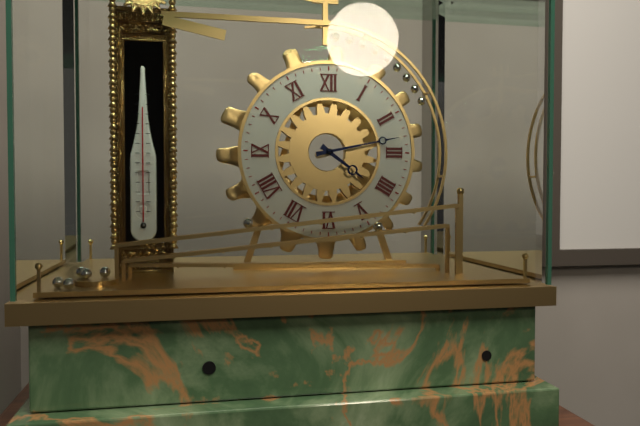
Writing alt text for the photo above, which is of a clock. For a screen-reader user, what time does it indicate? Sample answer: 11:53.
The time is 4:13
